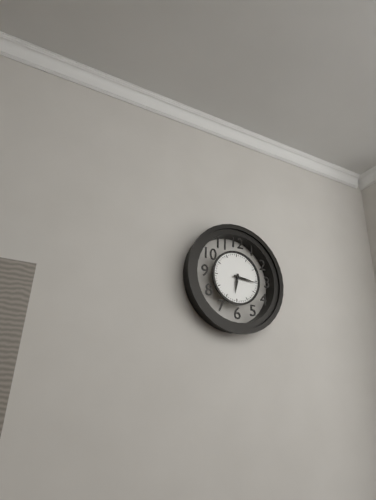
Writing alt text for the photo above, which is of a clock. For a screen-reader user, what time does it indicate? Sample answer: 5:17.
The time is 6:16
